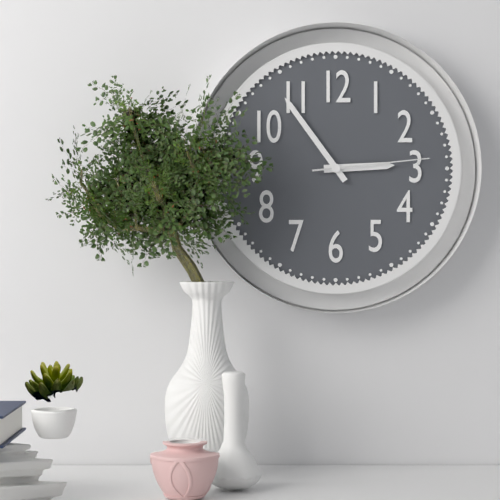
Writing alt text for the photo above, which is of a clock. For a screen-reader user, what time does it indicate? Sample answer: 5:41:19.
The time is 2:54:14
